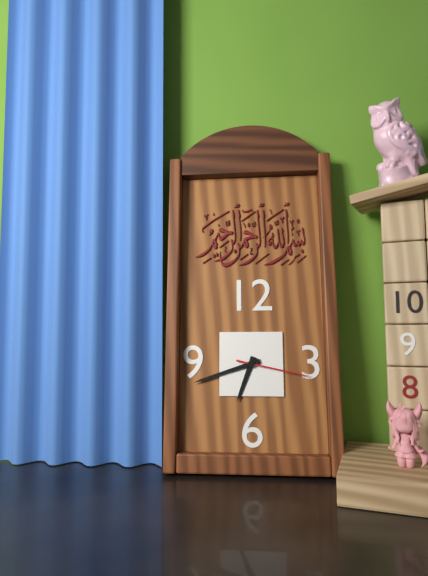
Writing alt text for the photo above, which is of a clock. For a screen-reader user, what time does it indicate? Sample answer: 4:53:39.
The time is 6:42:17
